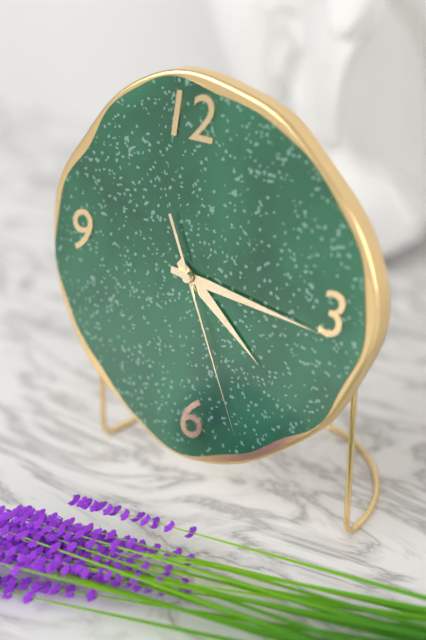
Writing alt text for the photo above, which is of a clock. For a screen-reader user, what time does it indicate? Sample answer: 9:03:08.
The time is 4:16:26
